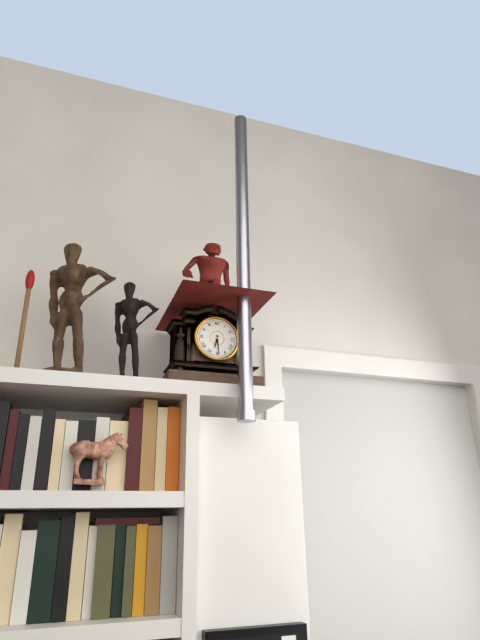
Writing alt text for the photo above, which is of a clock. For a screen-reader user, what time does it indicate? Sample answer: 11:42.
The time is 6:29
